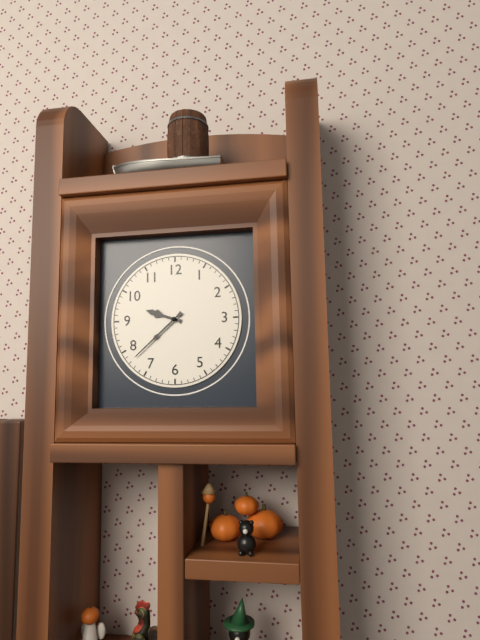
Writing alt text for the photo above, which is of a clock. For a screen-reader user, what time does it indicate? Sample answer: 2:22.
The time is 9:38
